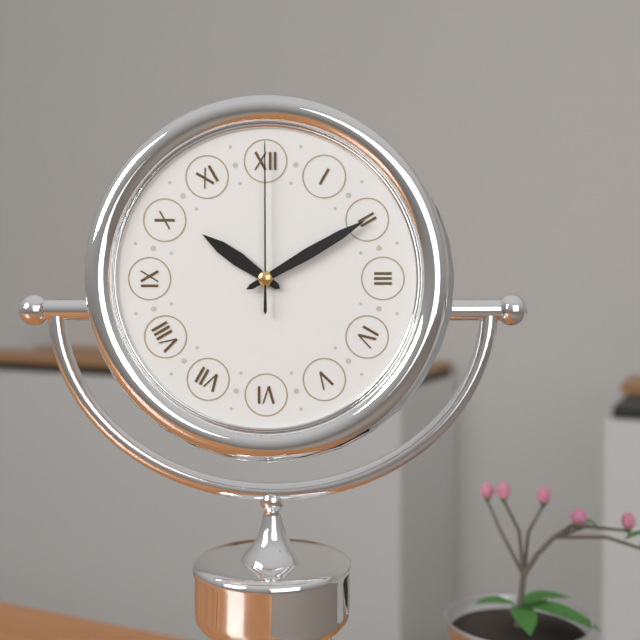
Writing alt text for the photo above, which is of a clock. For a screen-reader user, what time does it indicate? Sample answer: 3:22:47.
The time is 10:10:00
